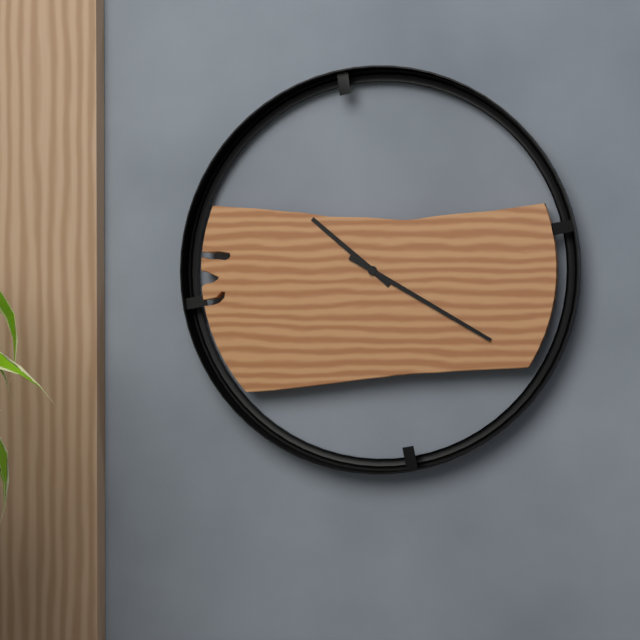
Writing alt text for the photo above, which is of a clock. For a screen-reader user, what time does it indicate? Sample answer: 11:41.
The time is 10:20
